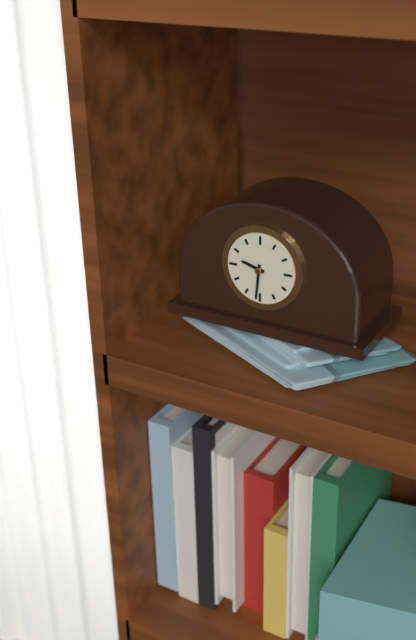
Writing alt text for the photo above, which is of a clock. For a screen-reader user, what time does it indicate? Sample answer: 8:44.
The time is 9:31
